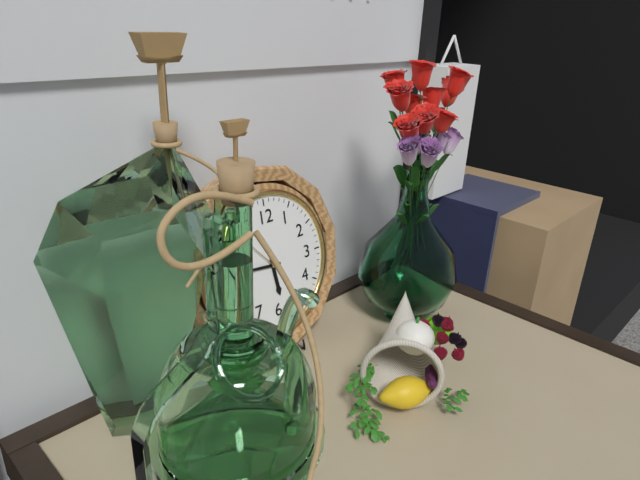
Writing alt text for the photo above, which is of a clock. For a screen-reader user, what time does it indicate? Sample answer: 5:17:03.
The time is 5:46:53
